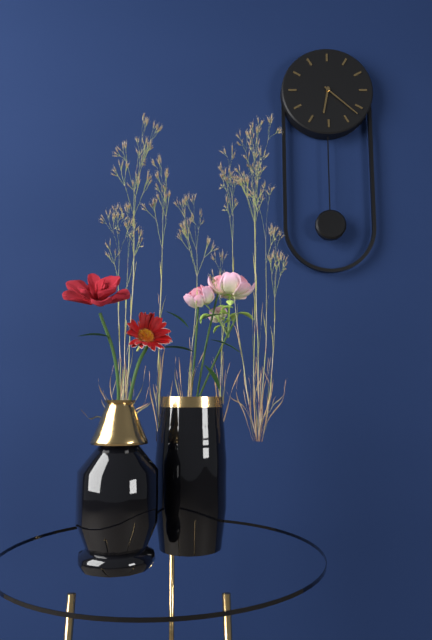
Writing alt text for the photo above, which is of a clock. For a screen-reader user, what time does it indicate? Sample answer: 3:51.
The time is 6:22
